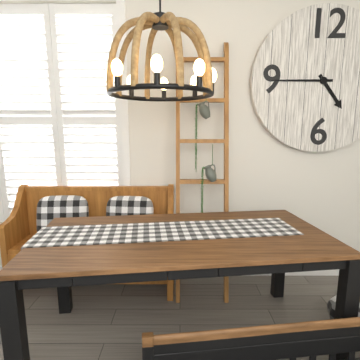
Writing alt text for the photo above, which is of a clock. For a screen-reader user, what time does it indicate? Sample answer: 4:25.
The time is 4:45
